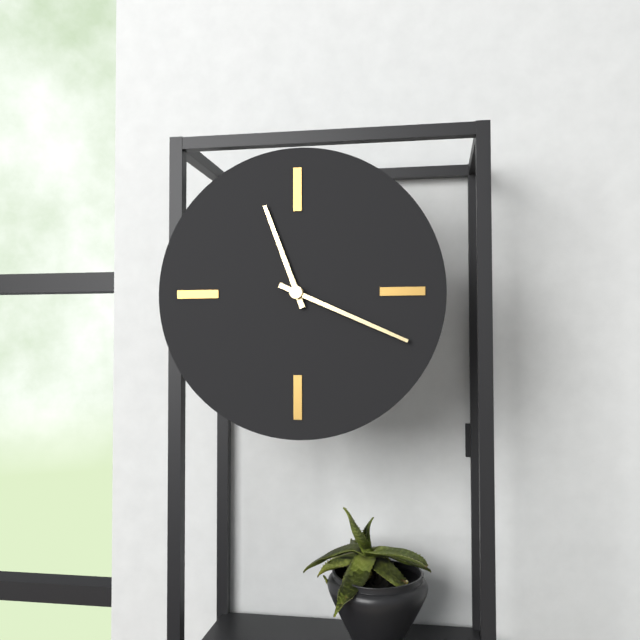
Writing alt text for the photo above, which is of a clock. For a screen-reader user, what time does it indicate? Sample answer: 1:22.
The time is 11:19
